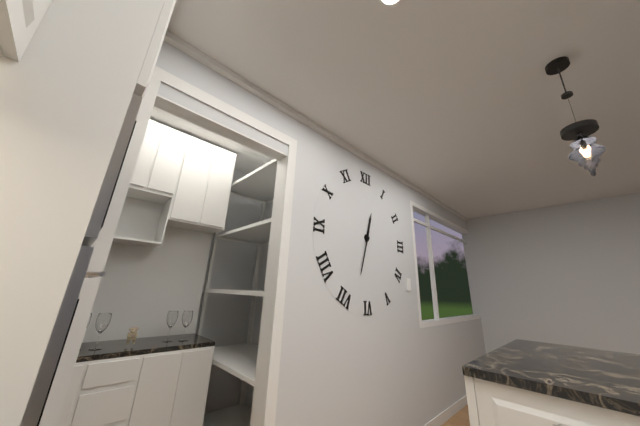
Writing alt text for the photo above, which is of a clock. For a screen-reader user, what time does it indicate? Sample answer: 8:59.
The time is 12:33
